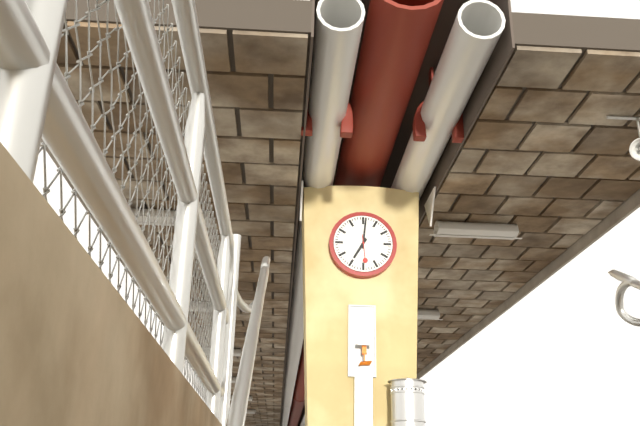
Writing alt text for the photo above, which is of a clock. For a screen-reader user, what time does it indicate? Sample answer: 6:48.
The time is 7:01
